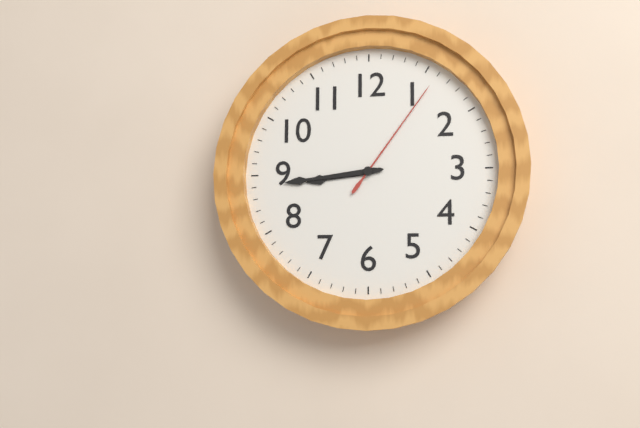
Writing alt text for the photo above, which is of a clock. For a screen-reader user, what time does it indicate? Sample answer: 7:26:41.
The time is 8:44:06
